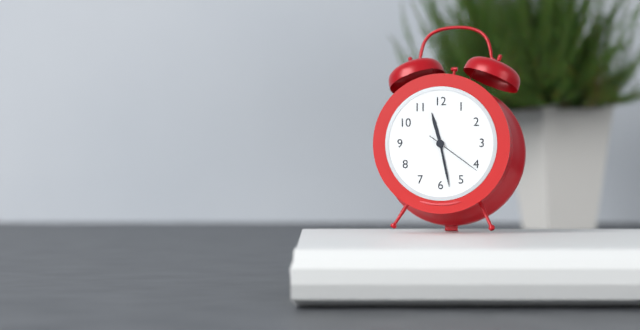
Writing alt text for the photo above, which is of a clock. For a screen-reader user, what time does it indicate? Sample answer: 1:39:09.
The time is 11:28:21
